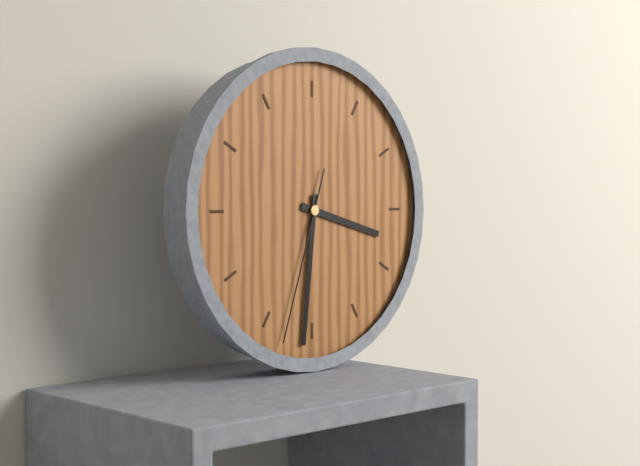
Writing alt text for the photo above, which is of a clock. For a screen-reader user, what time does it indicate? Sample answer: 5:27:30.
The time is 3:31:33
